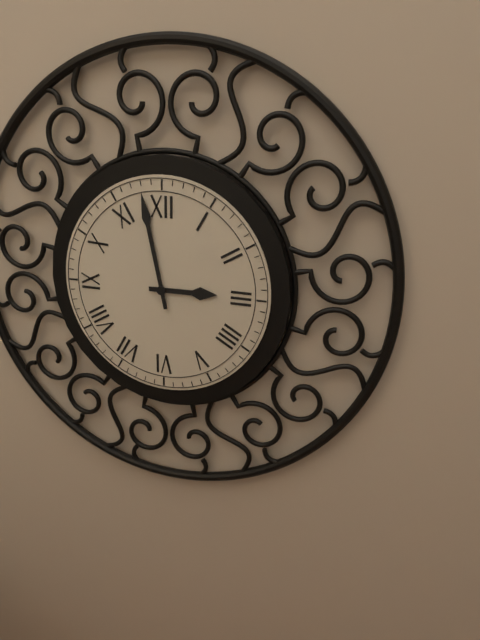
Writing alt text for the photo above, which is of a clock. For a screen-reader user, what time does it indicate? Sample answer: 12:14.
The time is 2:58
